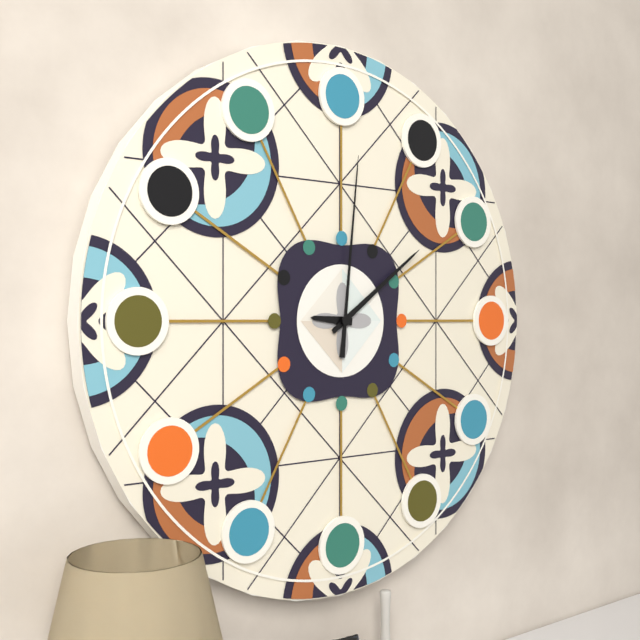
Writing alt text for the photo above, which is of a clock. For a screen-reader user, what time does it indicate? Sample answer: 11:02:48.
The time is 9:09:01
